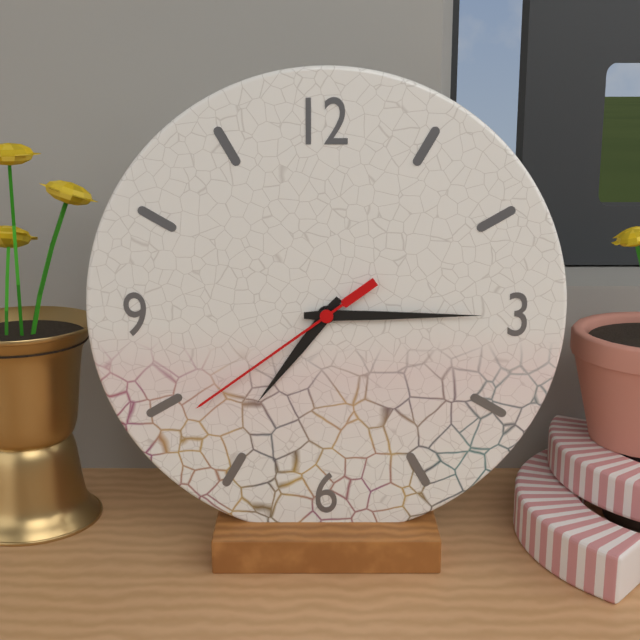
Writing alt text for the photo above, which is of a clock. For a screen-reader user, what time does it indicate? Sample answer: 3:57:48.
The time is 7:15:39
